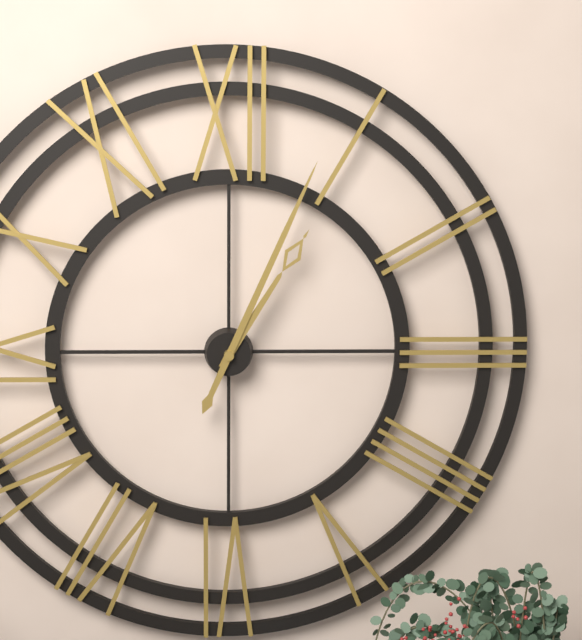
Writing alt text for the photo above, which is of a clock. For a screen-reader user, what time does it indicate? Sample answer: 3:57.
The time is 1:04
